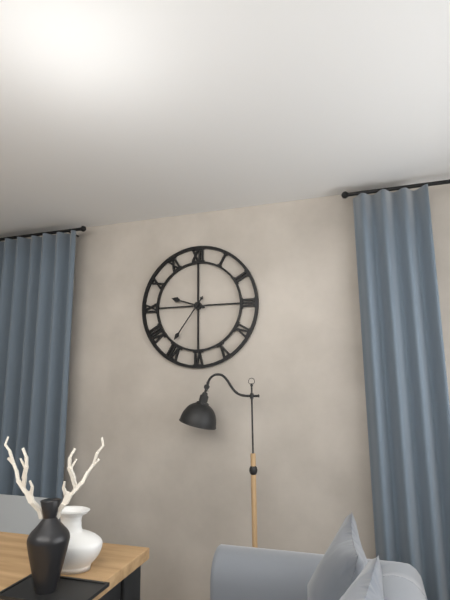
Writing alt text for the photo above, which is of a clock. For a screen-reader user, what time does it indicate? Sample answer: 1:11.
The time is 9:36
